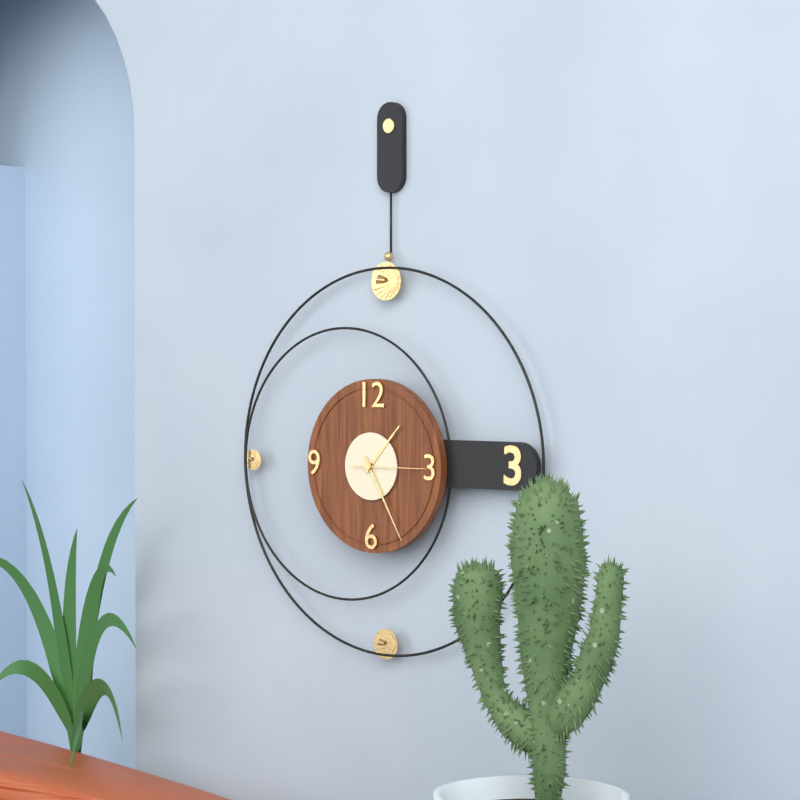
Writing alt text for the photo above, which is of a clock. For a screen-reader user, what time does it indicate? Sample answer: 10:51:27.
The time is 1:25:15
